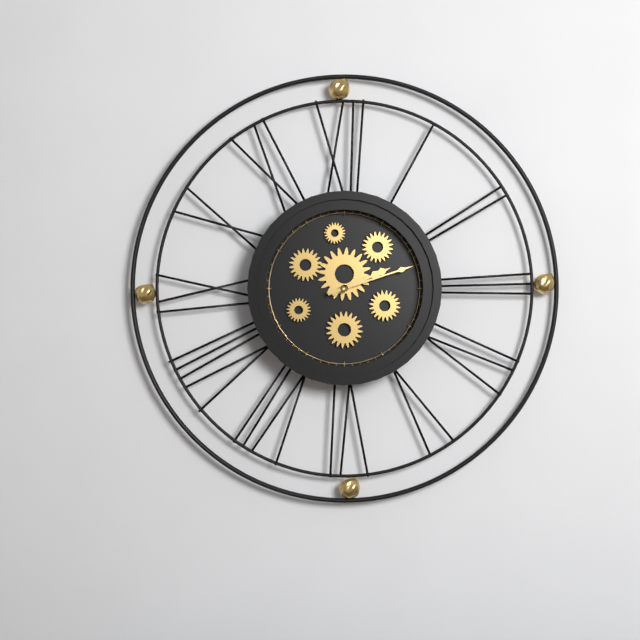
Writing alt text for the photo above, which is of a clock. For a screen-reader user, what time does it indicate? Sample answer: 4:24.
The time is 2:12
